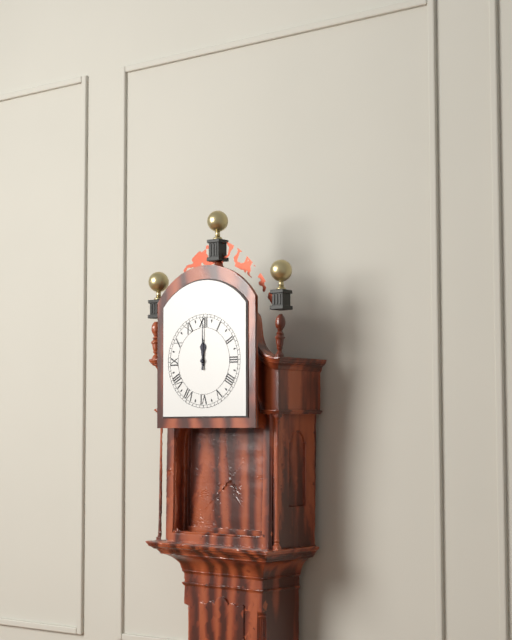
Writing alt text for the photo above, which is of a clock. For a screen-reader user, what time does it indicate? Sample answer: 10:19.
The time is 12:00
